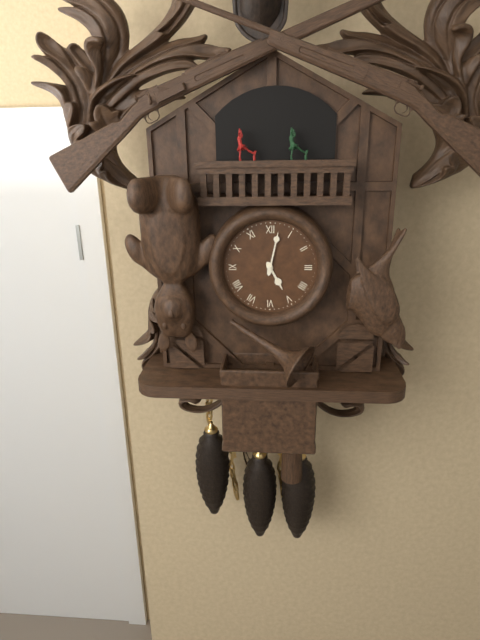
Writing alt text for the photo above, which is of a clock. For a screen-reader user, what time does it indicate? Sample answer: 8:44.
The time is 5:02
